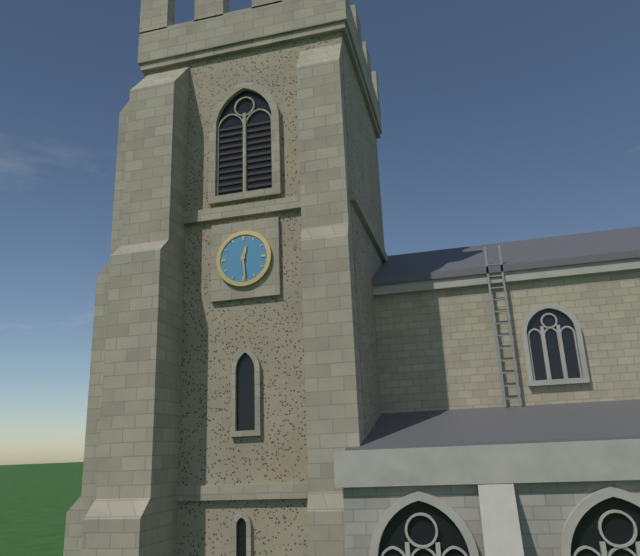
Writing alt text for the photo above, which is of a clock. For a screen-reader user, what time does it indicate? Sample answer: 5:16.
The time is 12:29
